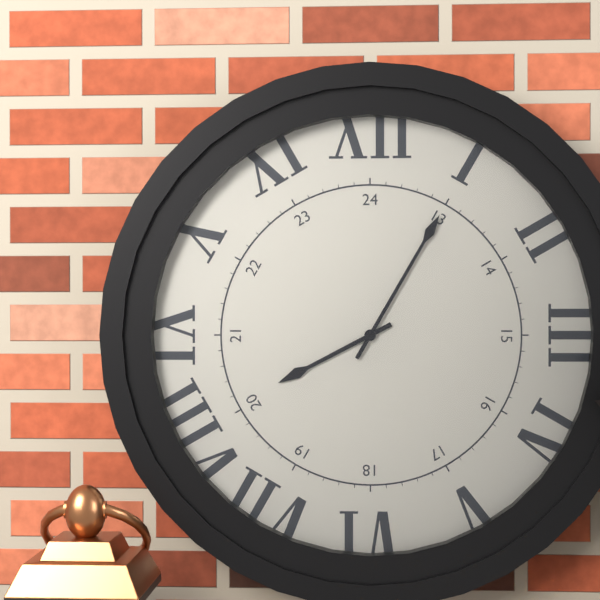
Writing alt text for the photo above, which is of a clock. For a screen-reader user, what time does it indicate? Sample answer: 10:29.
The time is 8:05
